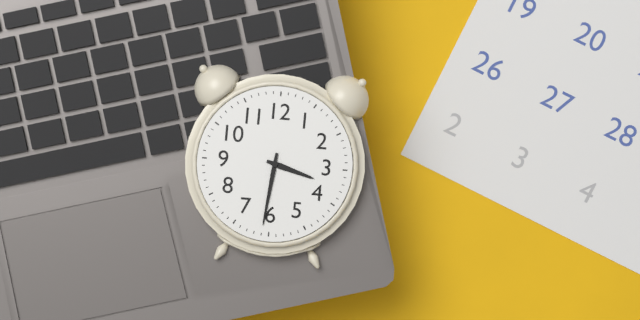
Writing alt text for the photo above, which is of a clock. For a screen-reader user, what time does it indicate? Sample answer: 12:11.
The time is 3:31
